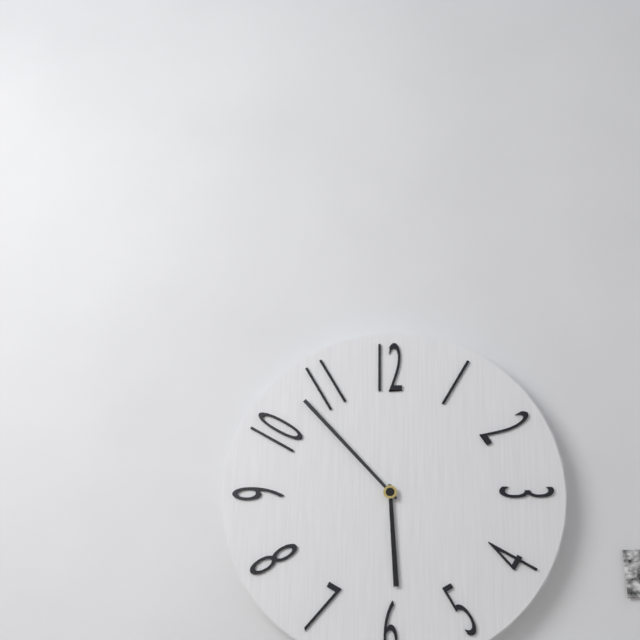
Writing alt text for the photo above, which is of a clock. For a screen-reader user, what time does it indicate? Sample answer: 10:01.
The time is 5:53
